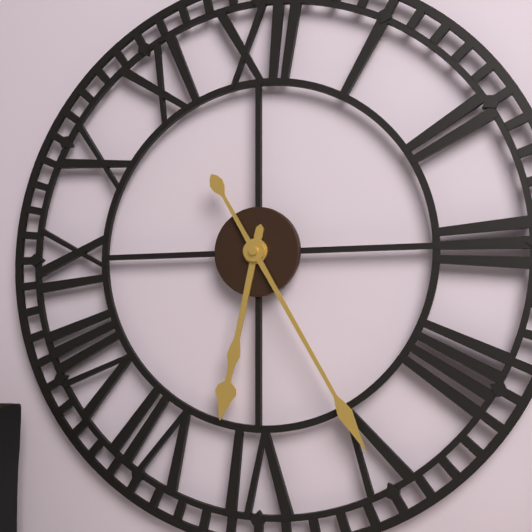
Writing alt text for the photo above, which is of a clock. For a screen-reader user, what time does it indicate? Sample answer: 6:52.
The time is 6:25
